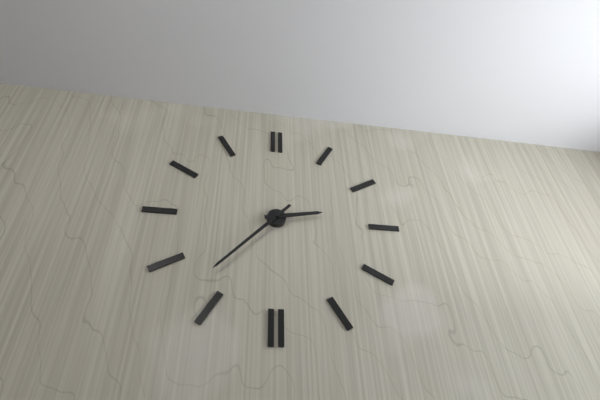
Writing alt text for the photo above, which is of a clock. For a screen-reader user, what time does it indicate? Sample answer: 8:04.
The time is 2:37
